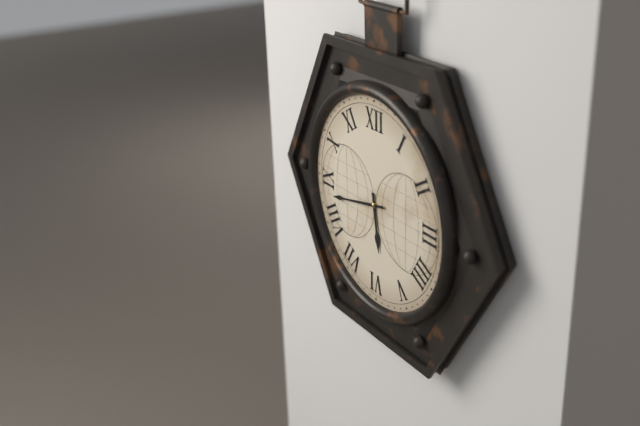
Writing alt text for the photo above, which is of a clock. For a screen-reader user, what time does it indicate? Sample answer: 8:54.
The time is 5:43
